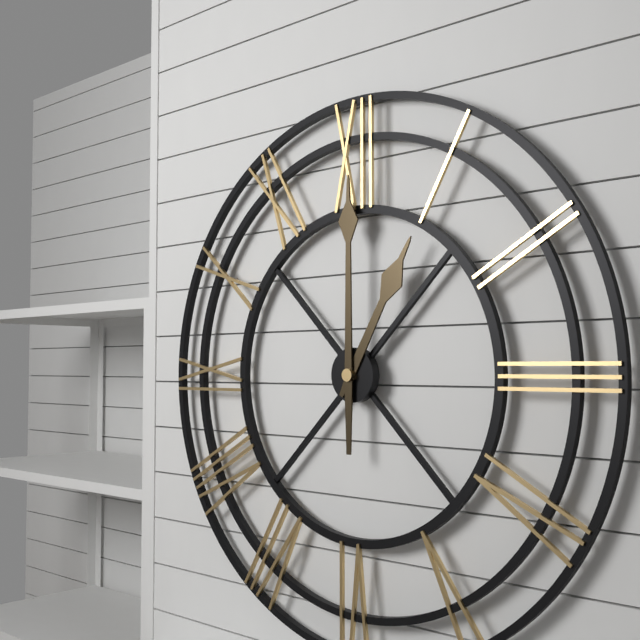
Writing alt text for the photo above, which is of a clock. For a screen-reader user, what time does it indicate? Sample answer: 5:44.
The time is 1:00
